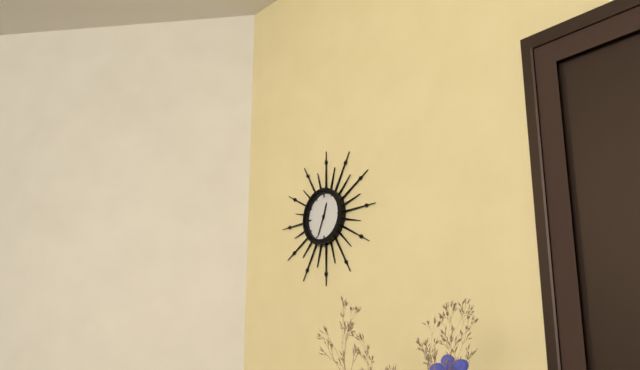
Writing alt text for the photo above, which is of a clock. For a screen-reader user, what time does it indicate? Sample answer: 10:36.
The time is 12:34
